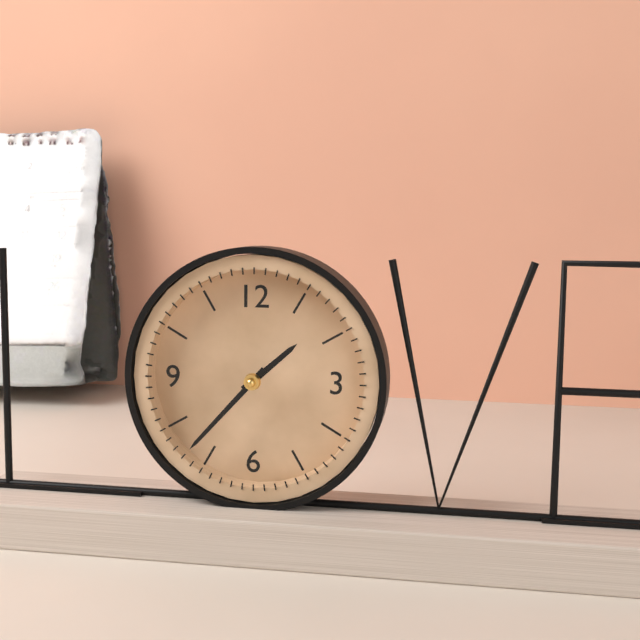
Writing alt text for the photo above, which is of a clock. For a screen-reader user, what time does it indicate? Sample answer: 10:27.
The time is 1:37
